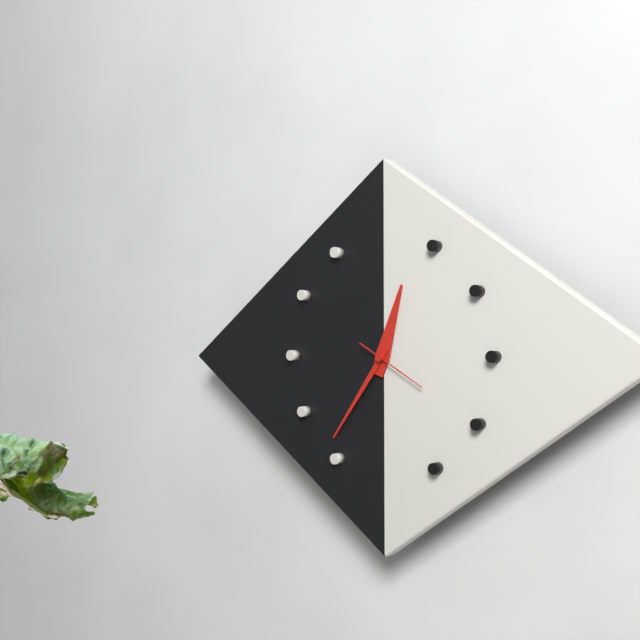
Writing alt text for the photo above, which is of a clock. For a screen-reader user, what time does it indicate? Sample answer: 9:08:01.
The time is 12:36:20
